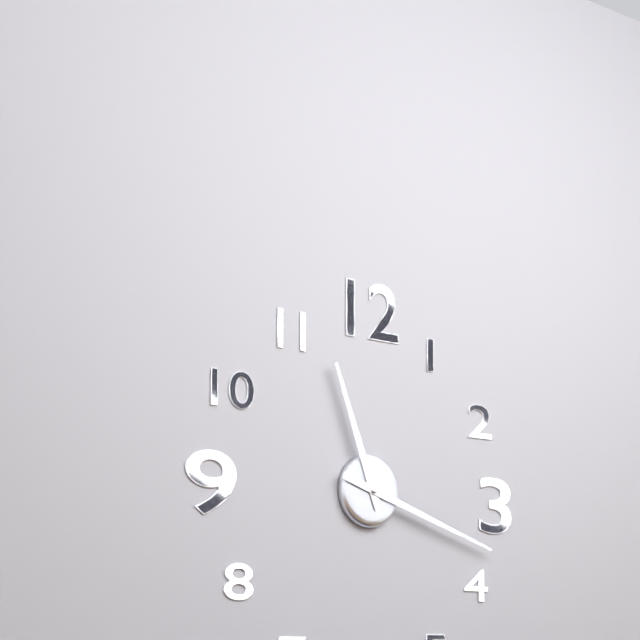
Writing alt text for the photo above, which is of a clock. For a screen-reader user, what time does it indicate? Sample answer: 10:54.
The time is 11:18
